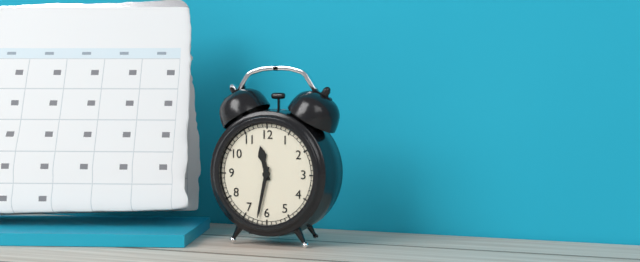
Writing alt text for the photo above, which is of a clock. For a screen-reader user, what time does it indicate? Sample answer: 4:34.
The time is 11:32
